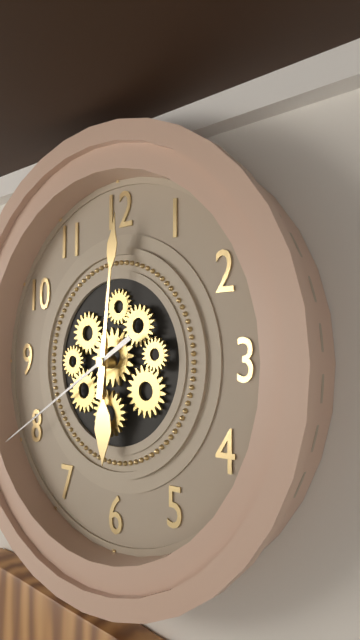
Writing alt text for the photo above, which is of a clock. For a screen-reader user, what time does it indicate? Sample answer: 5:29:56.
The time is 6:01:40
